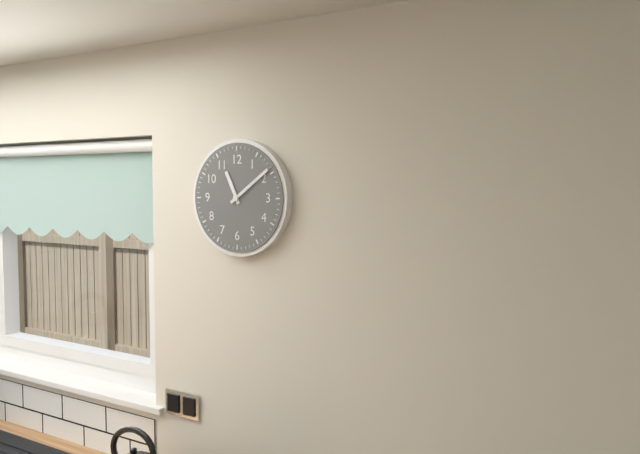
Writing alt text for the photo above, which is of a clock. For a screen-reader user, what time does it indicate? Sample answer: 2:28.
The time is 11:09
